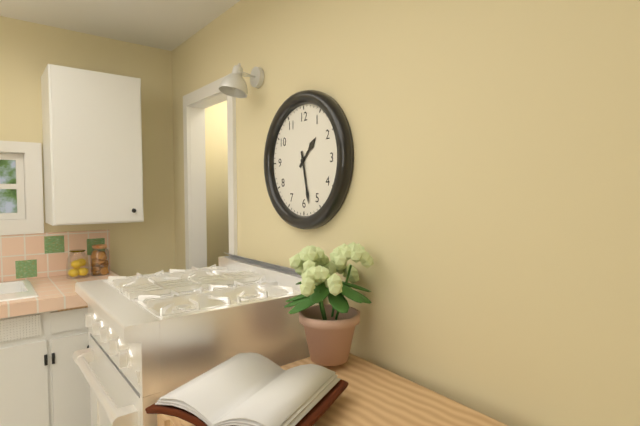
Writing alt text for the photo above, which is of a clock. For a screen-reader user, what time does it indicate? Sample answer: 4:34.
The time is 1:28
